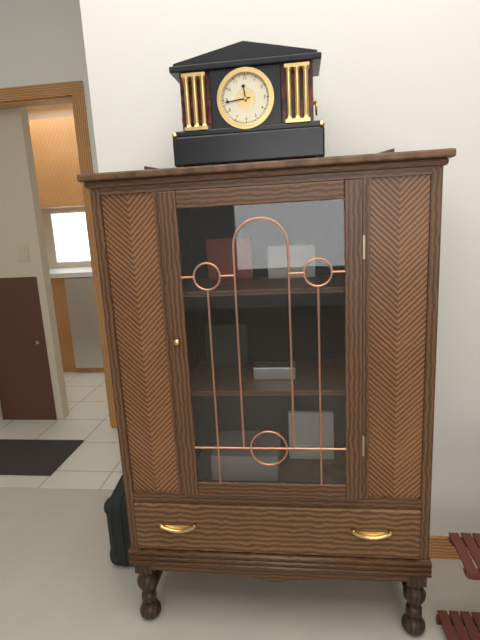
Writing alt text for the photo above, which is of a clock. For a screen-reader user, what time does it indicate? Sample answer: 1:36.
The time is 11:44
